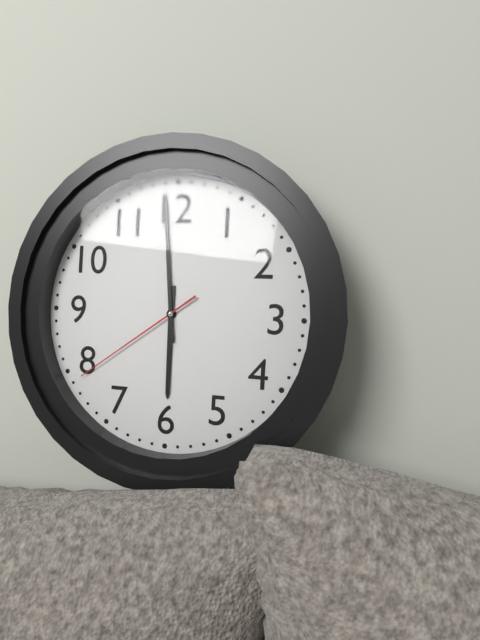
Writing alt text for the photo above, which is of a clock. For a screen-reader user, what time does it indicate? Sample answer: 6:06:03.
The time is 5:59:39
